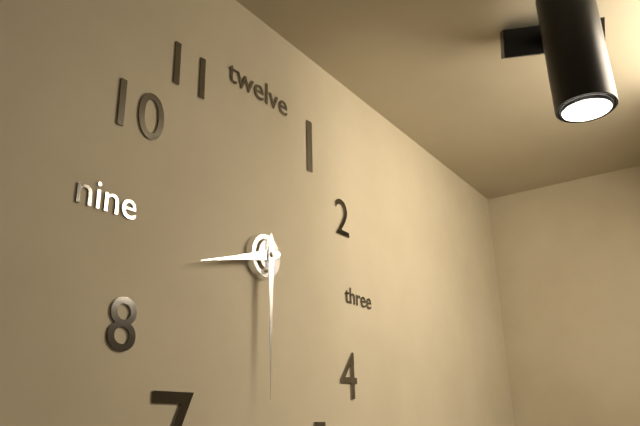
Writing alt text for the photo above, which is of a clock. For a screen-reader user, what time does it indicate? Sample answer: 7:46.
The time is 8:30
